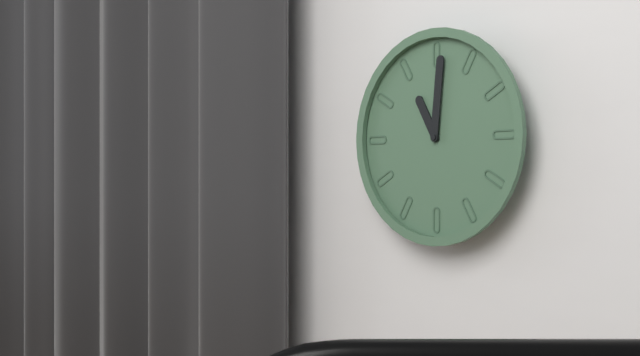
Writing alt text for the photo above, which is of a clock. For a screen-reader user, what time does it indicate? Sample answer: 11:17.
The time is 11:01
